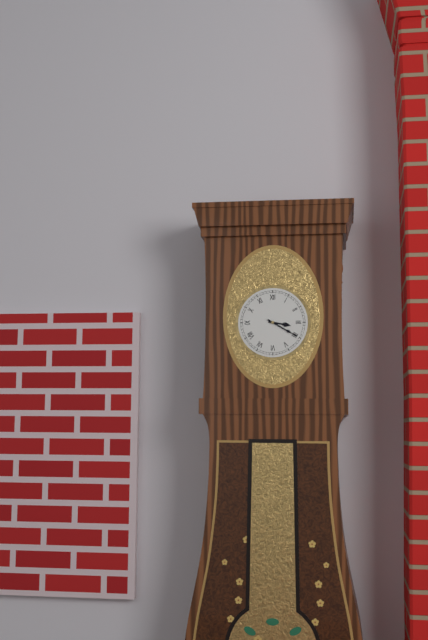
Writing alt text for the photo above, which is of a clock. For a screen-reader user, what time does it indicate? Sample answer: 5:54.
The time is 3:20
